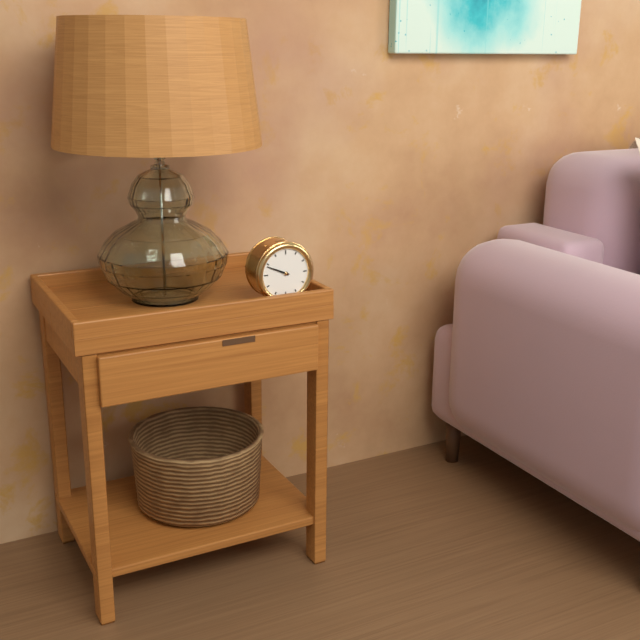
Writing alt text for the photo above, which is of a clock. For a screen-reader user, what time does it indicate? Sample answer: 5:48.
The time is 9:49
